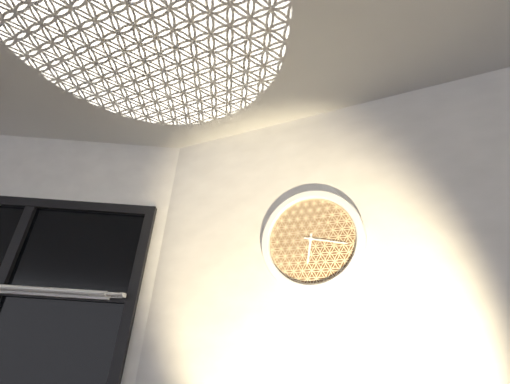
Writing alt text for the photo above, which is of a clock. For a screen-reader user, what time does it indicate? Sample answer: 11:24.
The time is 6:17
